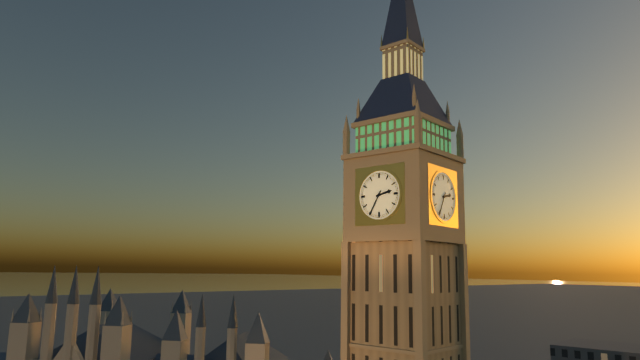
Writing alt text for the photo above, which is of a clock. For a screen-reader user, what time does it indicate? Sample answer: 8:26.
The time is 2:35
